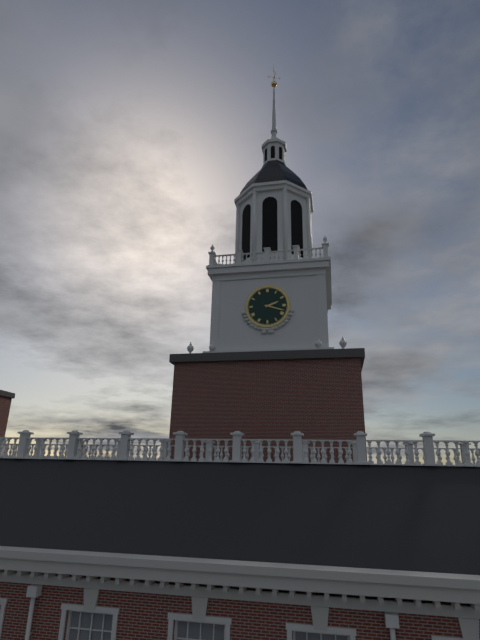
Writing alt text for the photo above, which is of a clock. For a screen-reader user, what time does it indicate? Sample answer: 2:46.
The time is 2:18
